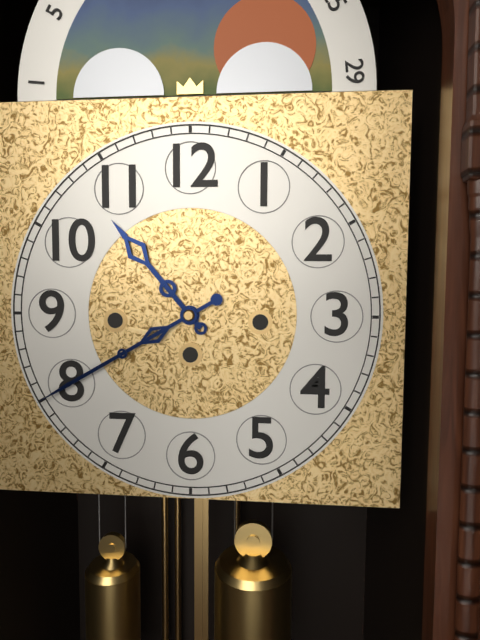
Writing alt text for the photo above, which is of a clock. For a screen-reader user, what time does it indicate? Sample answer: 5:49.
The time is 10:40
